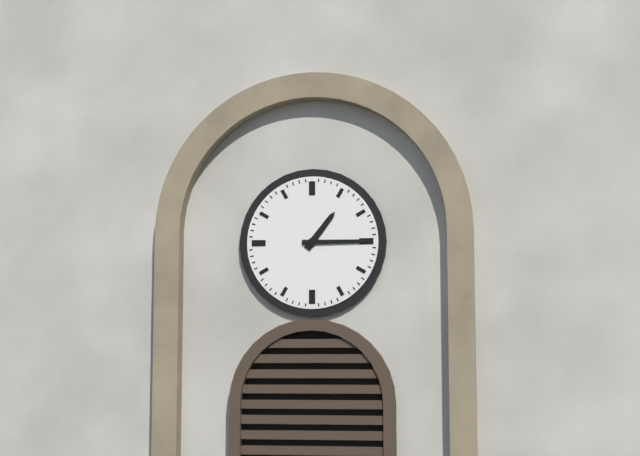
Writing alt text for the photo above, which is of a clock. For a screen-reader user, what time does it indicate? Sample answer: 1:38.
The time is 1:15
